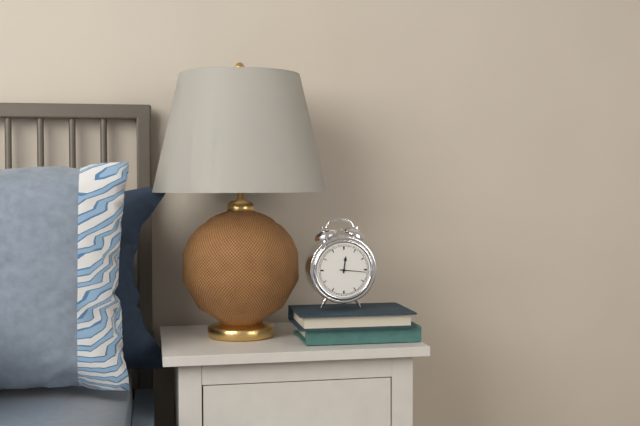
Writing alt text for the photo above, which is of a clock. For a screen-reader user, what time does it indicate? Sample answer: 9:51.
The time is 12:16
